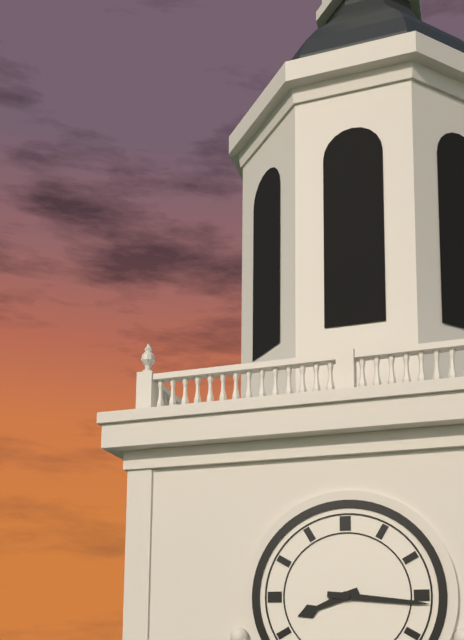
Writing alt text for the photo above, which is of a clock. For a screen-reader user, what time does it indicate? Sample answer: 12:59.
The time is 8:16
